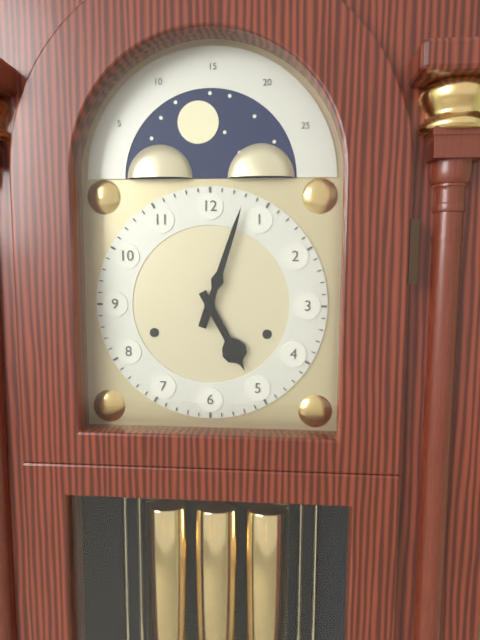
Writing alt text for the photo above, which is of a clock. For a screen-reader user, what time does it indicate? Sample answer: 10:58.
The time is 5:03
